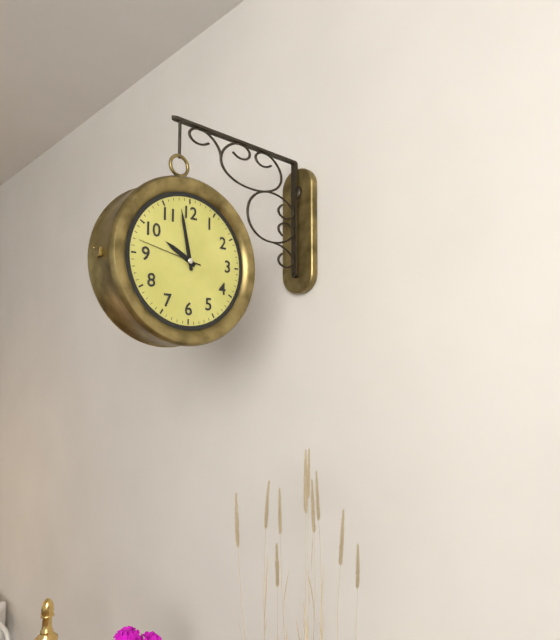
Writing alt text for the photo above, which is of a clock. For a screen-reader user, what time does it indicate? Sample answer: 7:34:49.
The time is 9:58:47
